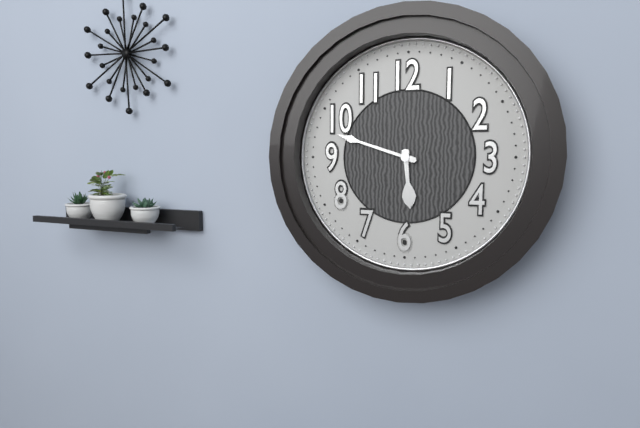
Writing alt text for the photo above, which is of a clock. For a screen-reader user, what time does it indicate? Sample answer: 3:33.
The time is 5:48
